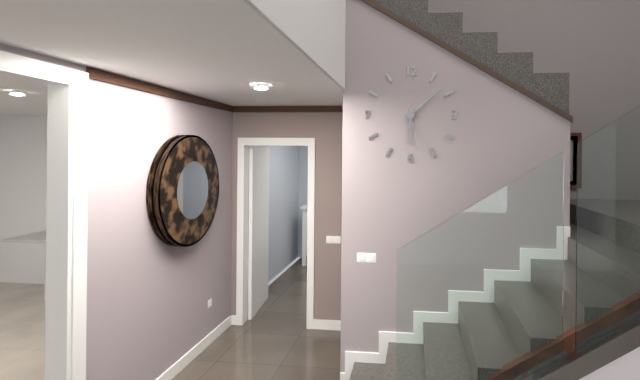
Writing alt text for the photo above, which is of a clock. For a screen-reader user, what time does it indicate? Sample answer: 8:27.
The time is 6:08
